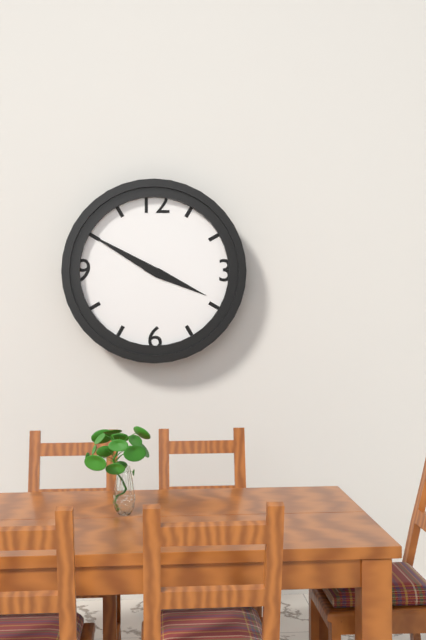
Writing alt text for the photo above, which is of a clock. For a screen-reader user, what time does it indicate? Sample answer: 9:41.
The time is 3:50
